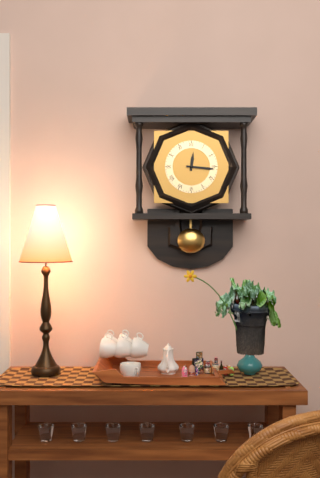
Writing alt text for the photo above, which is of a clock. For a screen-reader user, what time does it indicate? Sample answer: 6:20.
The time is 12:16
